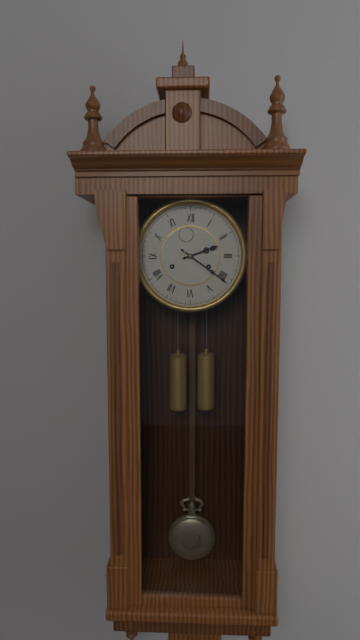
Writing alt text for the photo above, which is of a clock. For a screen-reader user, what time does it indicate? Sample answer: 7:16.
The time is 2:21
